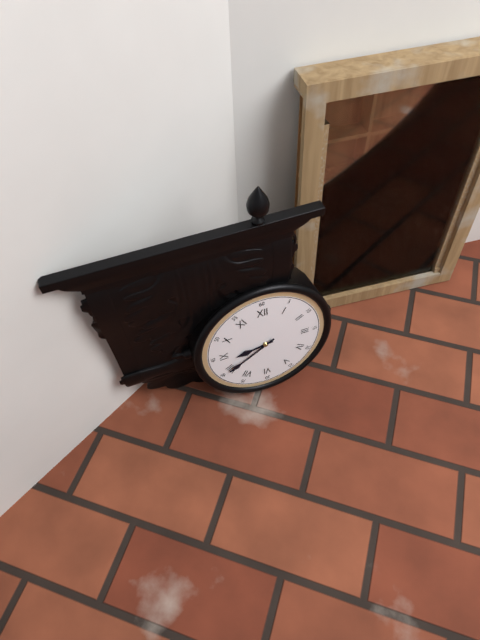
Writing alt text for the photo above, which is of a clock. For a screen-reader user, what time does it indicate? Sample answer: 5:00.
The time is 8:40
